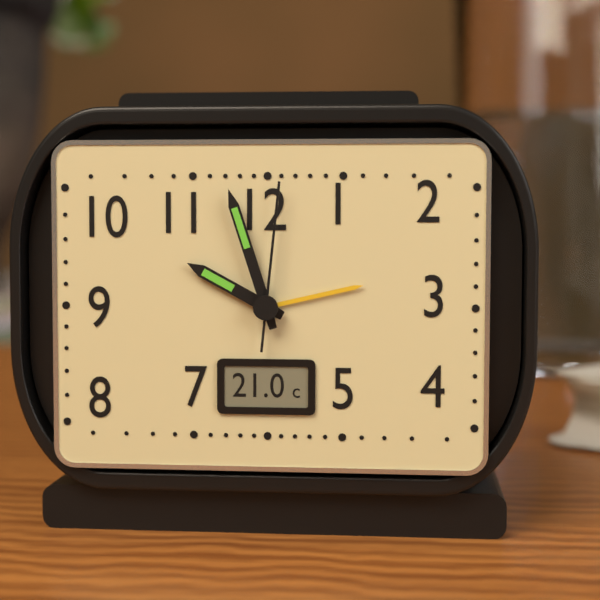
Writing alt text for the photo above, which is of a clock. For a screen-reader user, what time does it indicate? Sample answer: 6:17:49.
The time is 9:57:01
